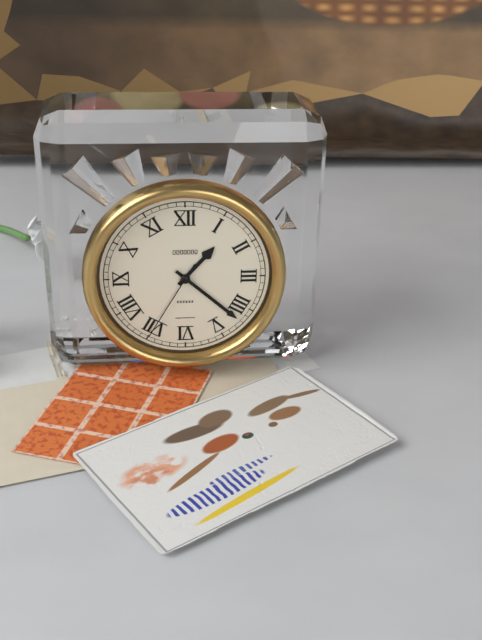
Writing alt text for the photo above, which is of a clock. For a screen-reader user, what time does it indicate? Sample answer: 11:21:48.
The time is 1:22:35
